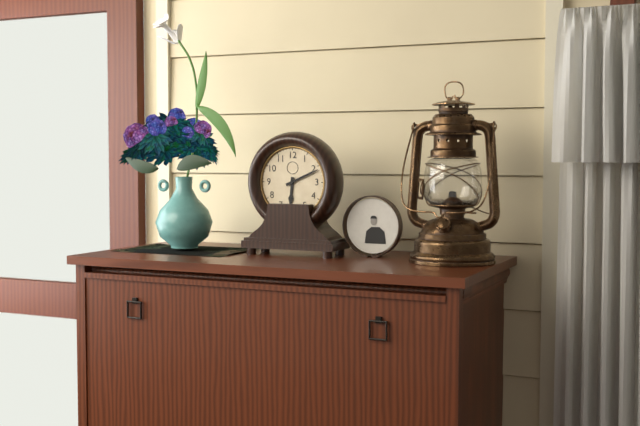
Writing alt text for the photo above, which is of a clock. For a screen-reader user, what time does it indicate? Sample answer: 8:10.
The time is 6:11
